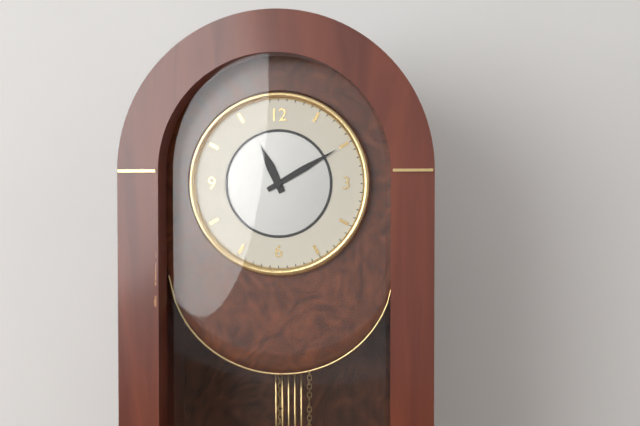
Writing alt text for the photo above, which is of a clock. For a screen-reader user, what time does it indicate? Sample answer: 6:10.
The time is 11:10
